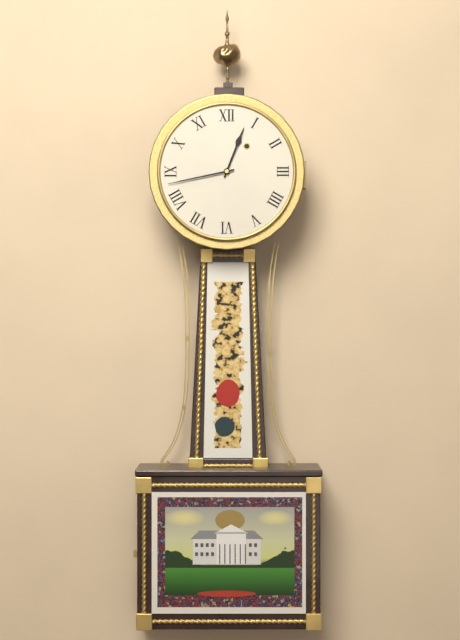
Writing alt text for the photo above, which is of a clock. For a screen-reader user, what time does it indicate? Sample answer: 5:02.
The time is 12:43
